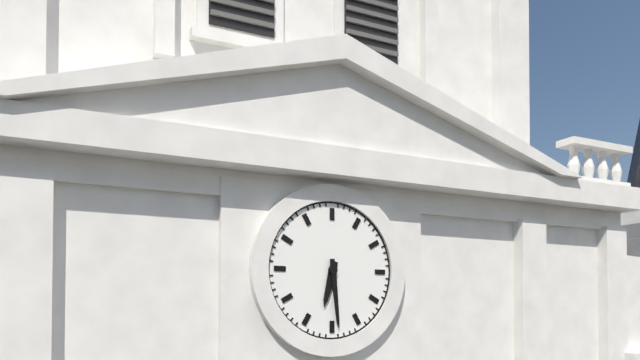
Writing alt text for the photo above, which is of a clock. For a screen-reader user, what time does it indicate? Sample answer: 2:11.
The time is 6:29
